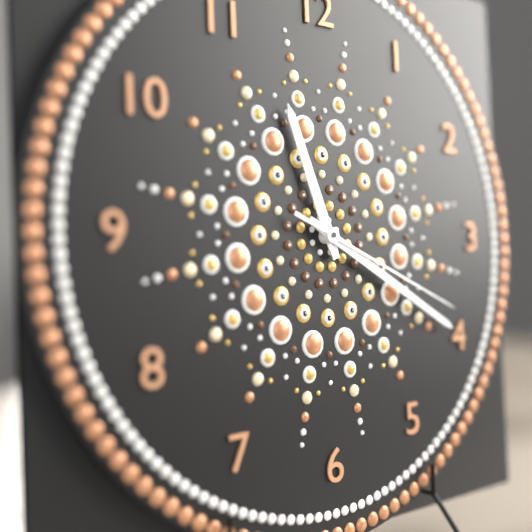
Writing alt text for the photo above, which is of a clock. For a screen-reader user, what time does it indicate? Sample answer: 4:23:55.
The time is 11:20:19
